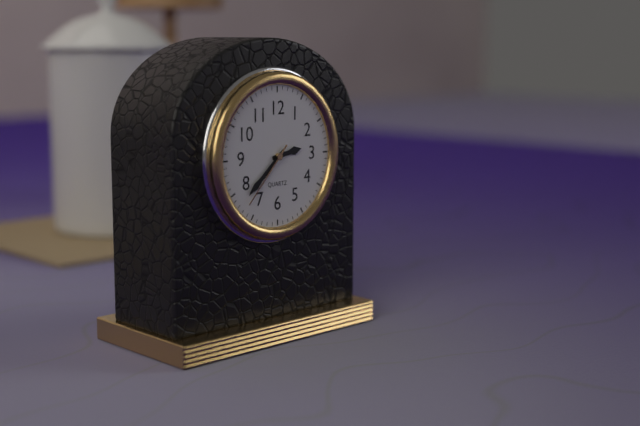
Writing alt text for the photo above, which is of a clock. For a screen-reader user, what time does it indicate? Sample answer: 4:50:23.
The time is 2:38:37
